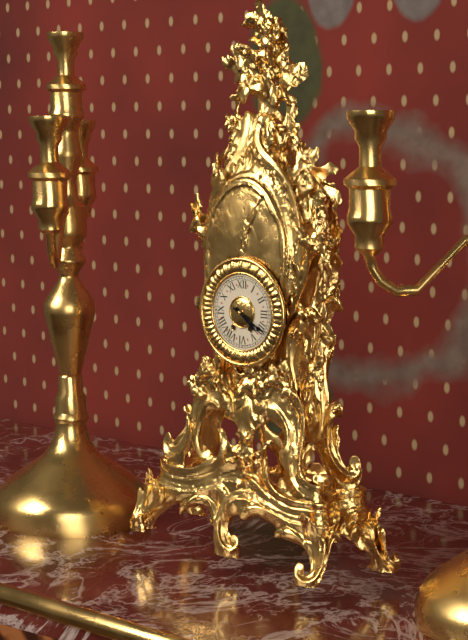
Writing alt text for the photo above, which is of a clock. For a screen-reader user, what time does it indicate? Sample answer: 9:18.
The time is 4:20
